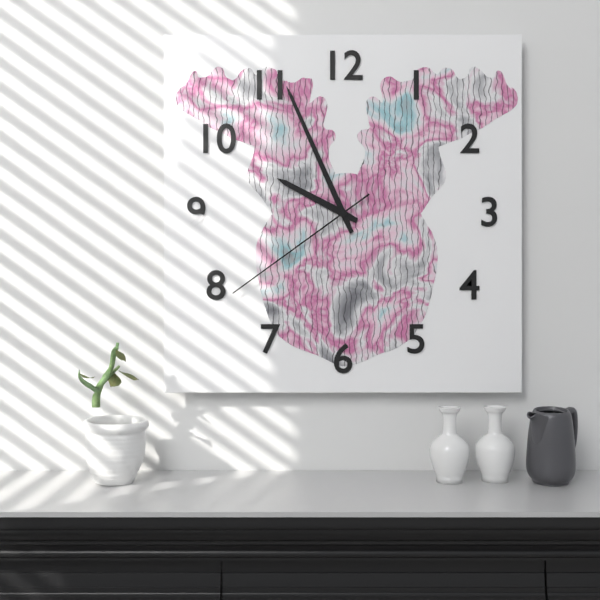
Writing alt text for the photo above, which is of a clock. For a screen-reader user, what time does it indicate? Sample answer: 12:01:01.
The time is 9:56:39
